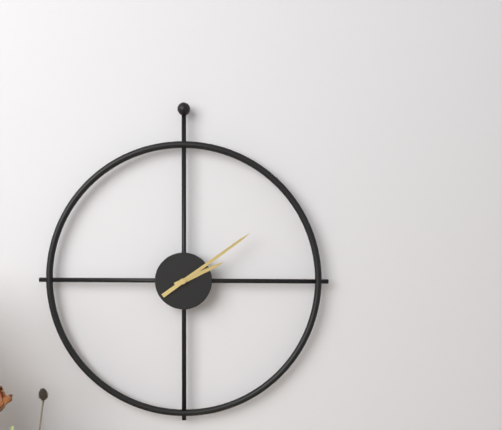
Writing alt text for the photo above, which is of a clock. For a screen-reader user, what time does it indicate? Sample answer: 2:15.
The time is 2:09
